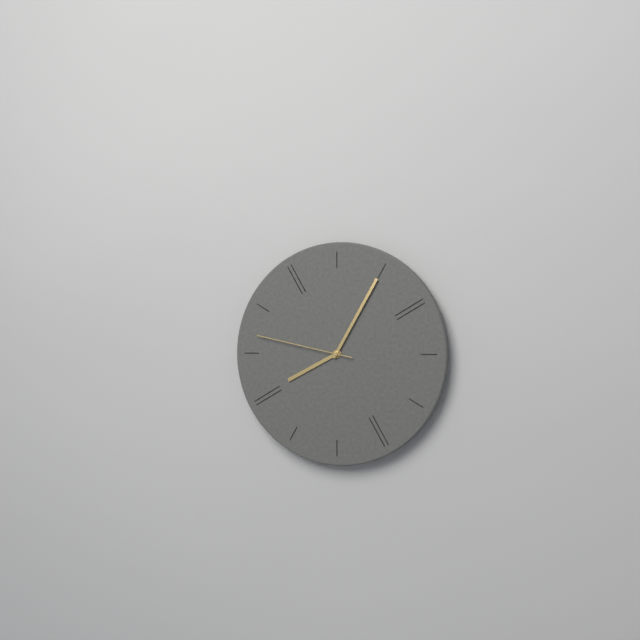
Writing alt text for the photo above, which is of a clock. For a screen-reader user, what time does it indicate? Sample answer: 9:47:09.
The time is 8:05:47
